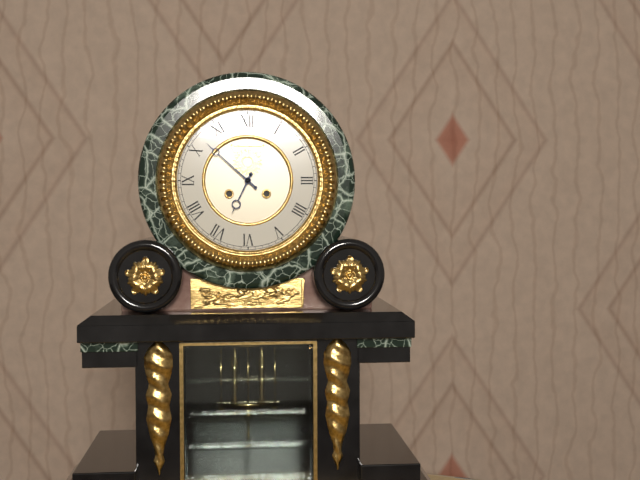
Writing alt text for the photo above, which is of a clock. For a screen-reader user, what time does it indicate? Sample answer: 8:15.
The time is 6:52
